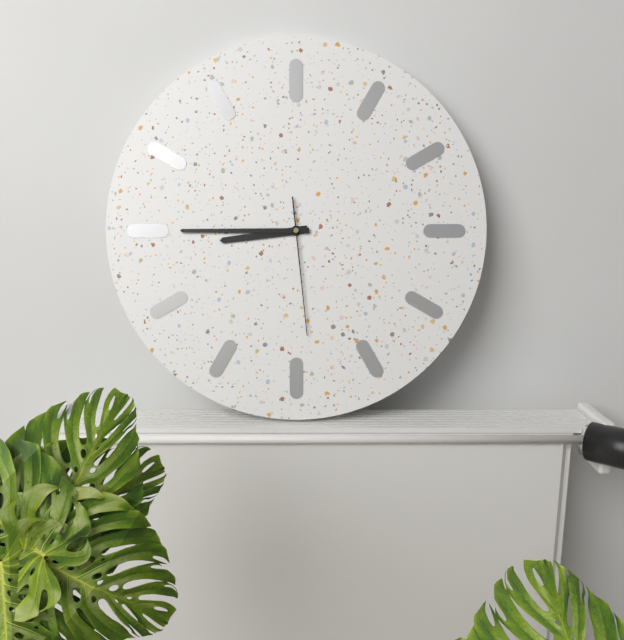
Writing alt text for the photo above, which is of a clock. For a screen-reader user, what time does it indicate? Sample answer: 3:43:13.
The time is 8:45:29
